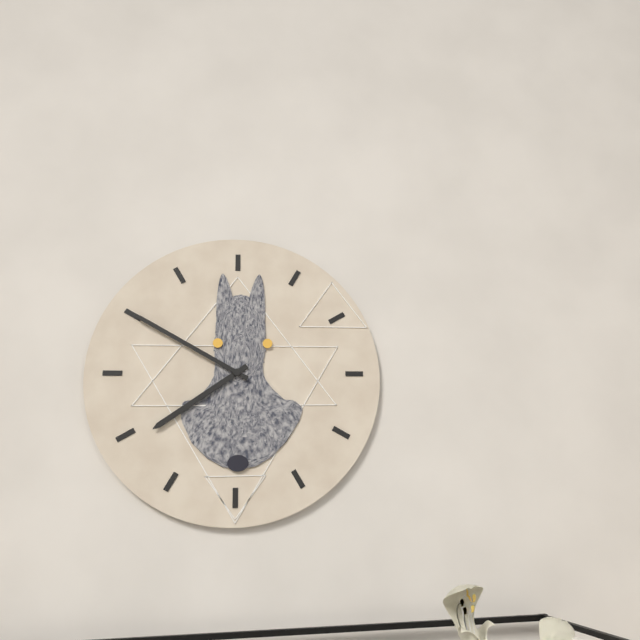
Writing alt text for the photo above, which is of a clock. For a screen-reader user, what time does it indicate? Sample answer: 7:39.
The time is 7:50
